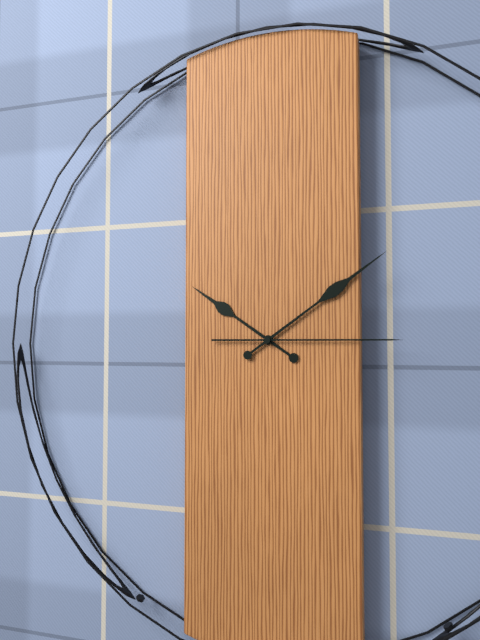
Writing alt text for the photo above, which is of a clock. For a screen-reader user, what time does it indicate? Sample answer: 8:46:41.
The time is 10:09:15
